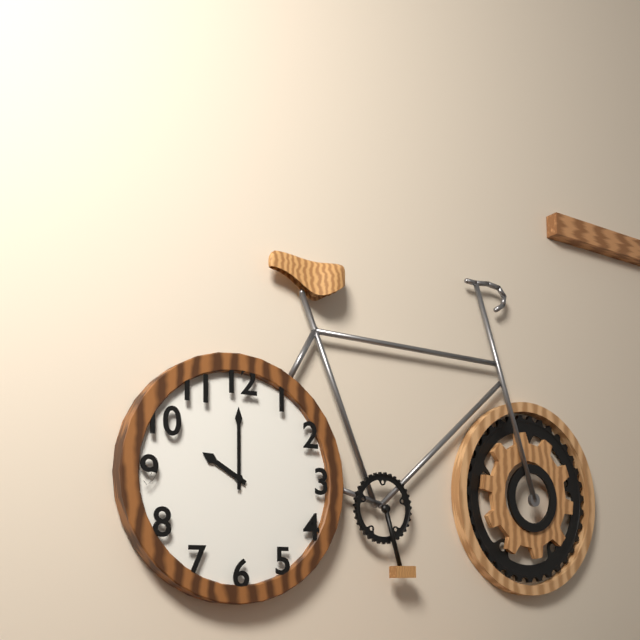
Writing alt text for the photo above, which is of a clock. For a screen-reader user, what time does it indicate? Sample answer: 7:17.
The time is 10:00
